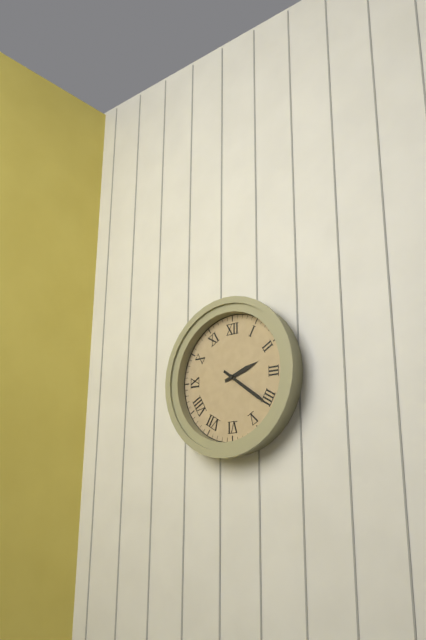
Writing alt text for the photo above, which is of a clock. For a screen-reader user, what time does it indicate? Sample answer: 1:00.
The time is 2:21
